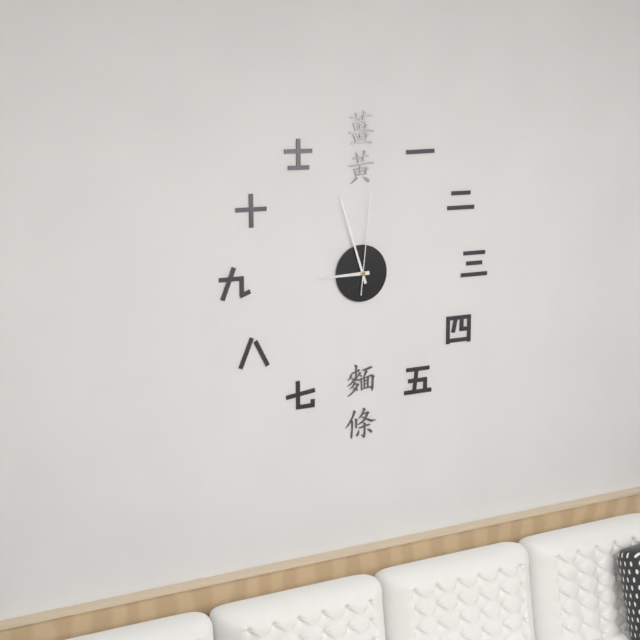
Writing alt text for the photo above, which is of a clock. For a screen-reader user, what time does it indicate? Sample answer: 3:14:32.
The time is 8:57:01
